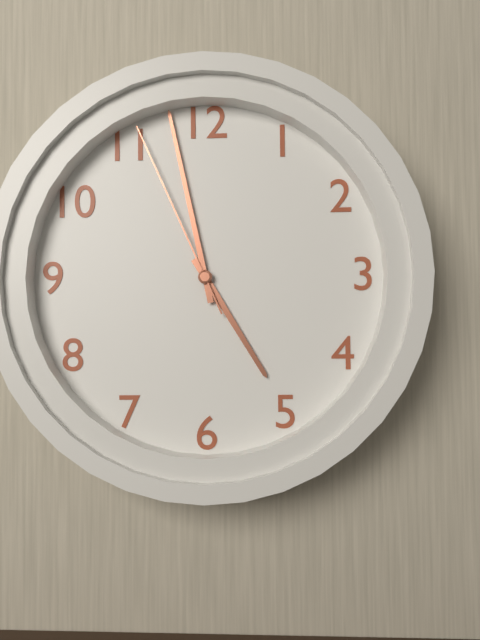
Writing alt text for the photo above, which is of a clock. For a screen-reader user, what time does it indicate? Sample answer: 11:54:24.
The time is 4:58:56
